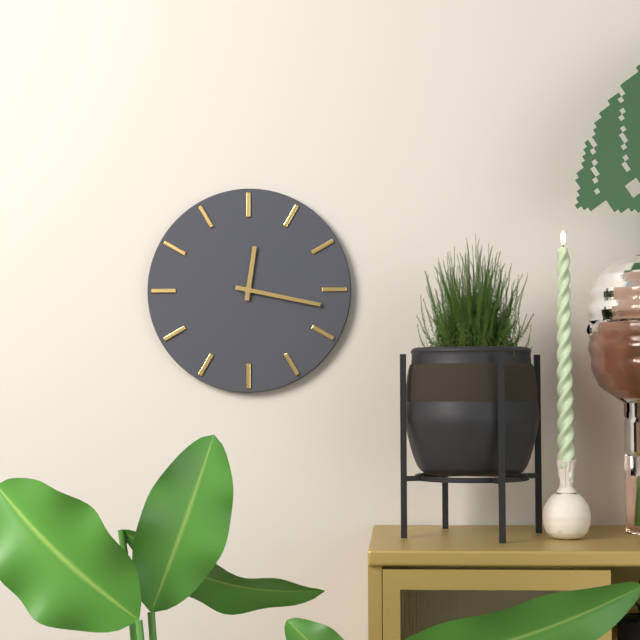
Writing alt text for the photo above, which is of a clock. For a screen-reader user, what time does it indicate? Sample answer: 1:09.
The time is 12:17
